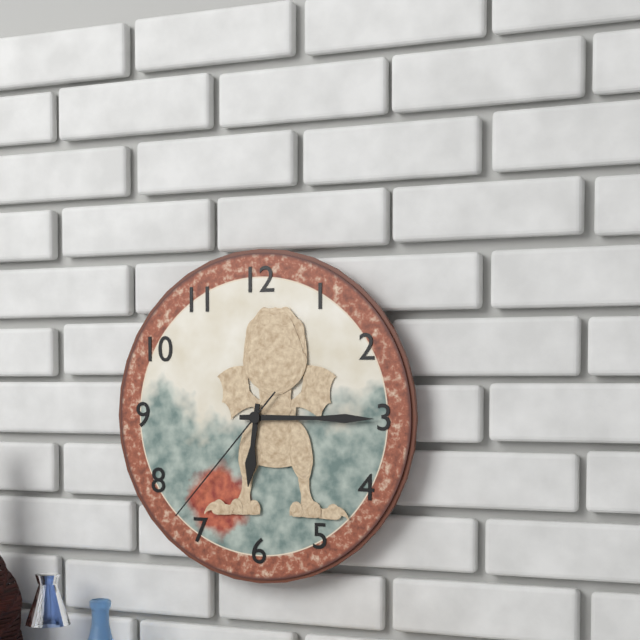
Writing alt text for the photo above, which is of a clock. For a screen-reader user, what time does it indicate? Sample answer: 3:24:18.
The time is 6:15:37
